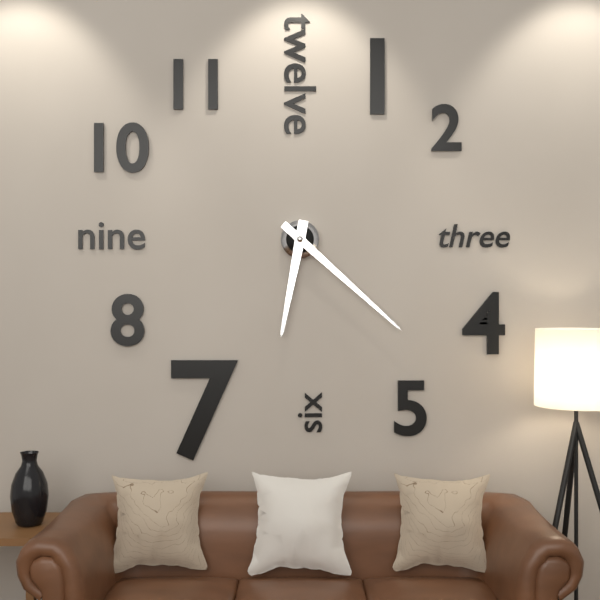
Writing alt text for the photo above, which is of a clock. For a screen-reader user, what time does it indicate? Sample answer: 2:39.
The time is 6:22
